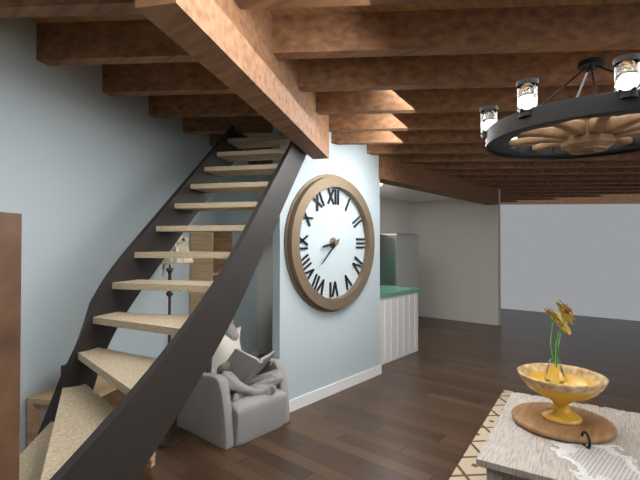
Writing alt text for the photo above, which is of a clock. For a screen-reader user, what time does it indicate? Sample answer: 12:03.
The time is 8:38
